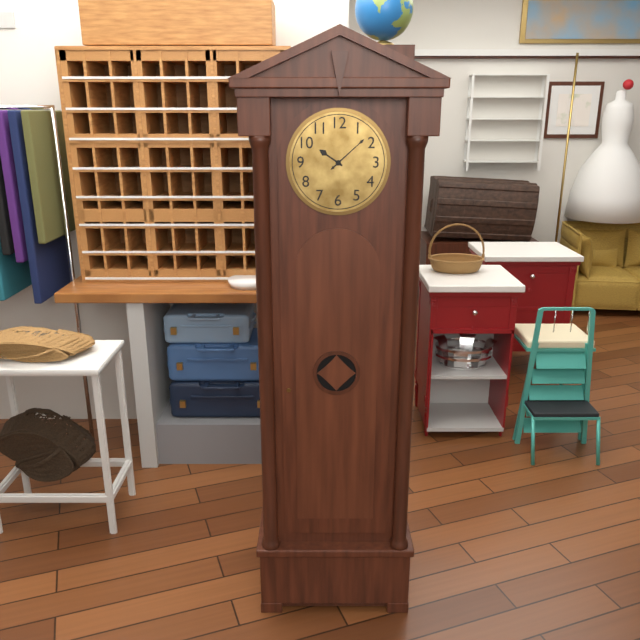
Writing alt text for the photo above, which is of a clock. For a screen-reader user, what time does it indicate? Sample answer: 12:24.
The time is 10:08
